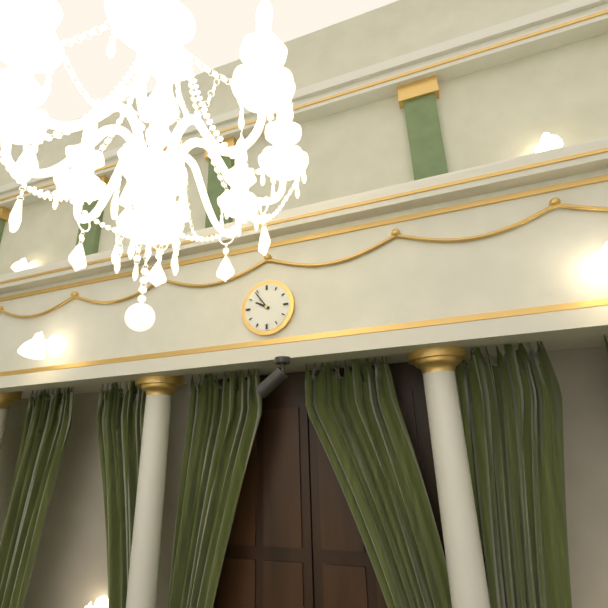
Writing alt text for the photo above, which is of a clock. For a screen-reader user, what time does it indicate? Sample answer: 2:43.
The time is 9:54
